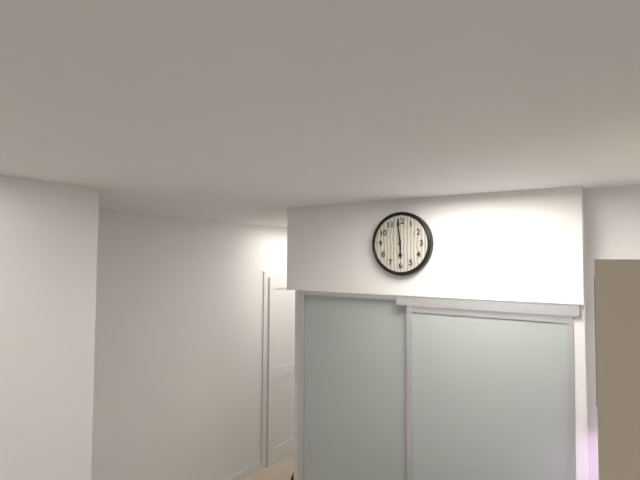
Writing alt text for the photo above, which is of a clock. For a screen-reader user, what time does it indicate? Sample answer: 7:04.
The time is 5:59
